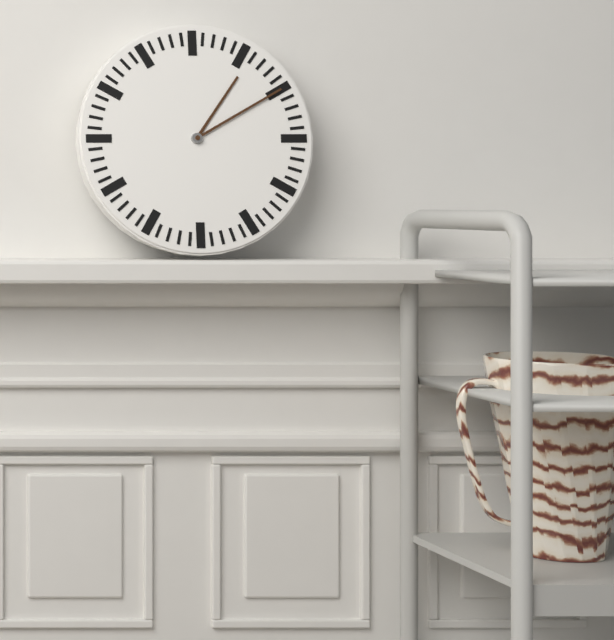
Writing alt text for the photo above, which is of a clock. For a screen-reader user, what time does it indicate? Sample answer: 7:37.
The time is 1:10
